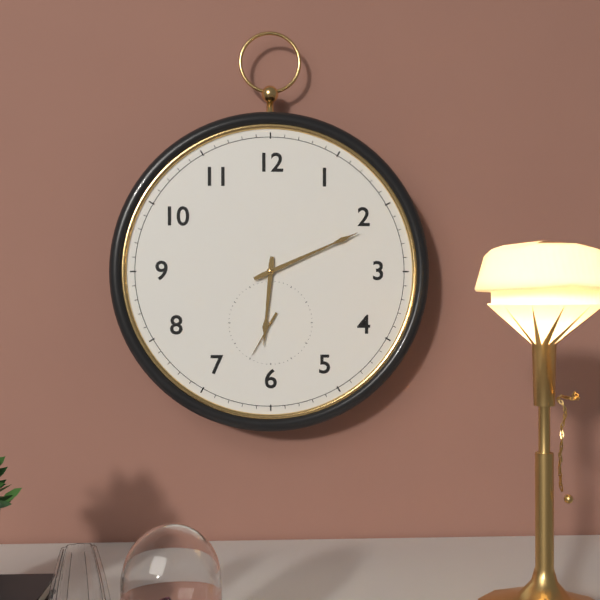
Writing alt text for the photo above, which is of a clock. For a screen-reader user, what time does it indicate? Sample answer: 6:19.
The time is 6:11
